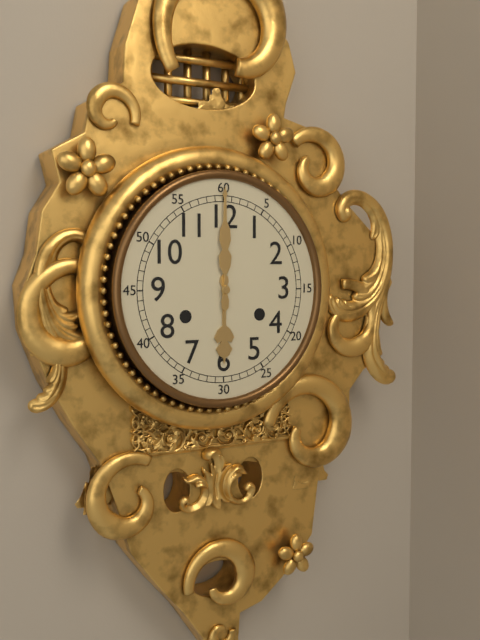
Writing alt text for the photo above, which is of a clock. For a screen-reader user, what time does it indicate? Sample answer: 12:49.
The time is 6:00
